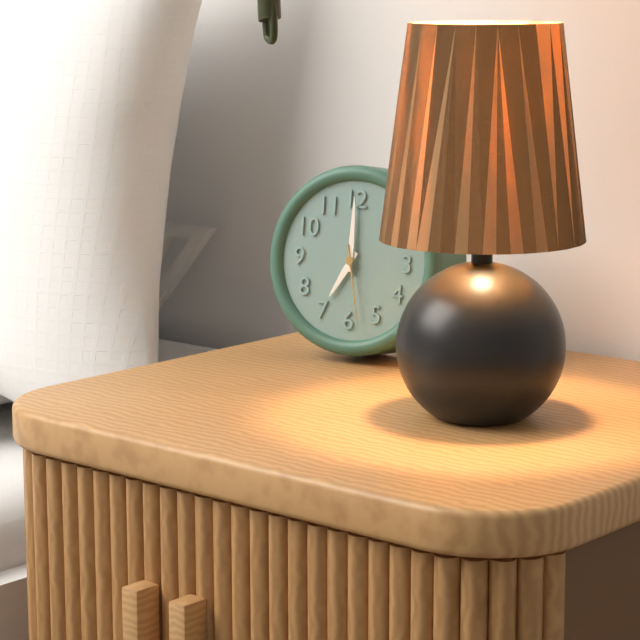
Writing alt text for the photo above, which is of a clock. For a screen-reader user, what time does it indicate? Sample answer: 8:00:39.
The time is 7:00:28
